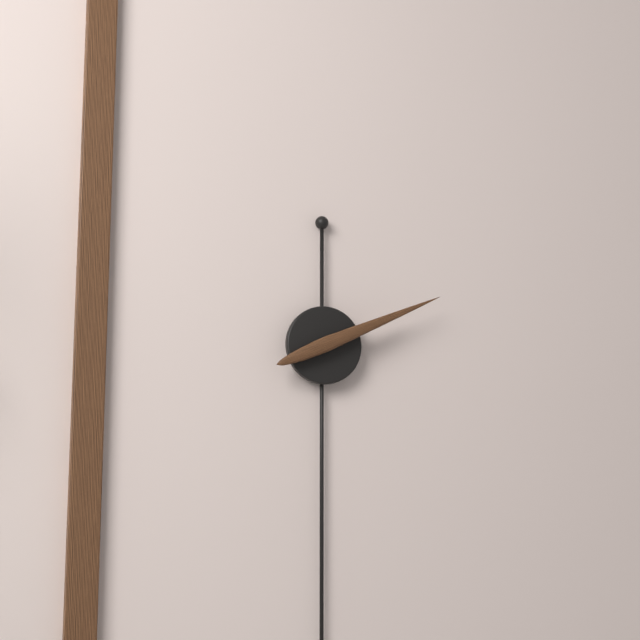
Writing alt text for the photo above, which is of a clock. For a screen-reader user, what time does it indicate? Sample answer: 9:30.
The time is 2:11
